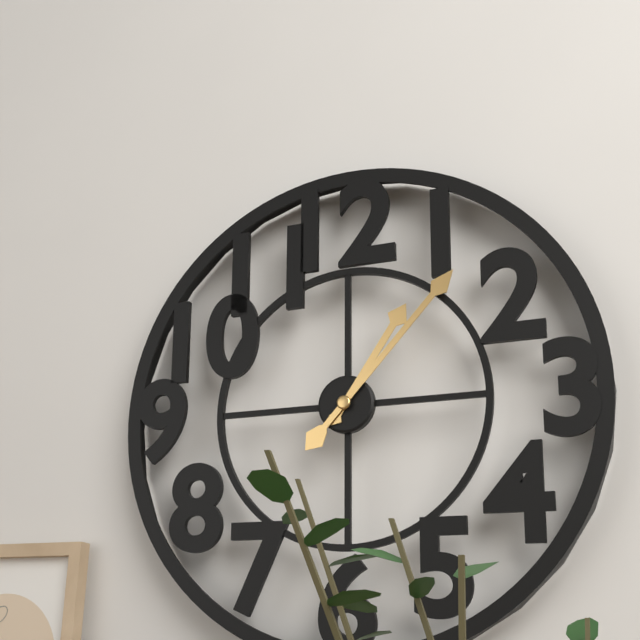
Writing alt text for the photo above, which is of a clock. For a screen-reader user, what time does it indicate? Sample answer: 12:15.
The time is 1:07
